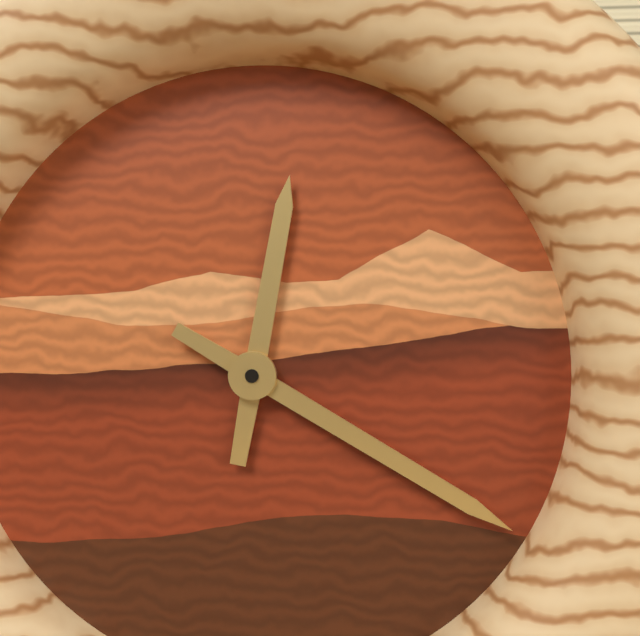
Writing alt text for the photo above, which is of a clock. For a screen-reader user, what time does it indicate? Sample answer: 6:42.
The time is 12:20
